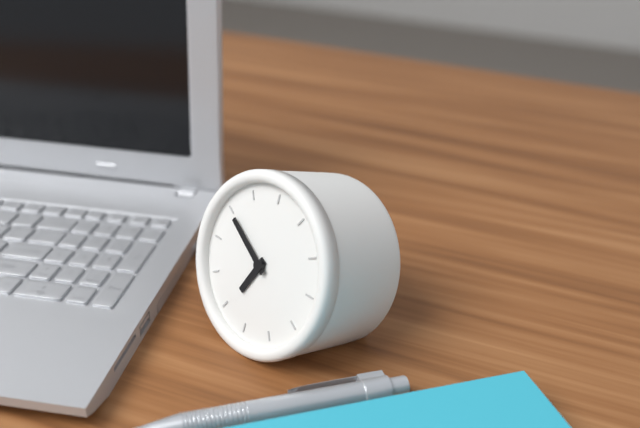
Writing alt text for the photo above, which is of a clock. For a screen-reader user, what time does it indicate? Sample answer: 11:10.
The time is 6:50
